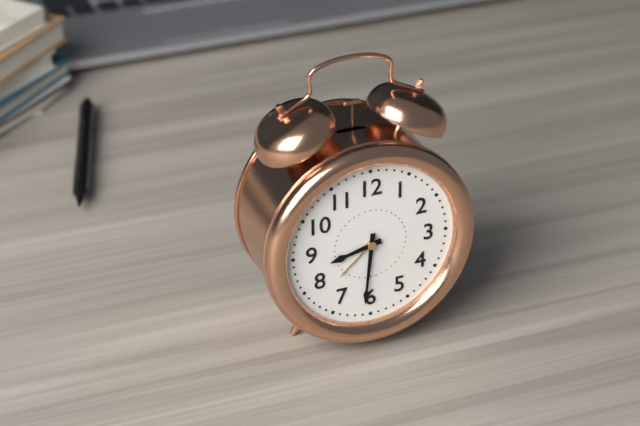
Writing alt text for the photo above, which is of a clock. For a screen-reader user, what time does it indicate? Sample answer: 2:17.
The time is 8:31
